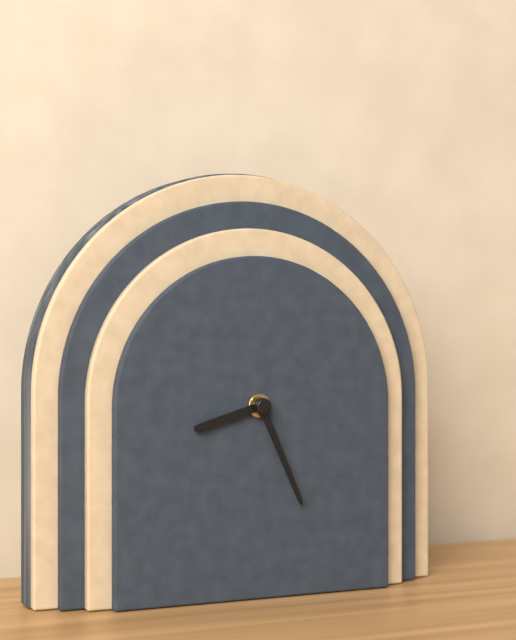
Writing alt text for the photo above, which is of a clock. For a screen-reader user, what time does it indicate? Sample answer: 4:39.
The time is 8:26
